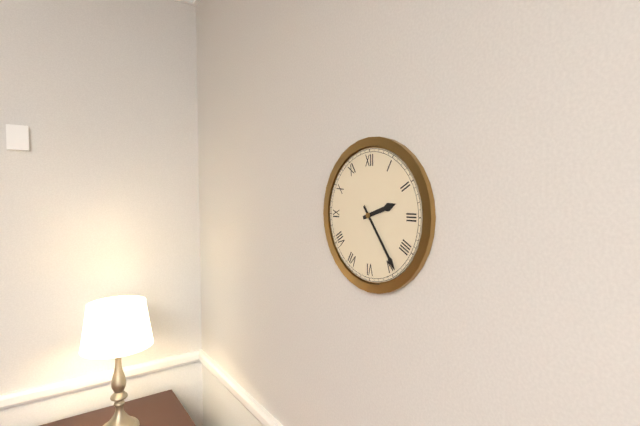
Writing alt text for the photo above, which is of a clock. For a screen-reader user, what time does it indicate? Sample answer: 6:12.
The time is 2:24
